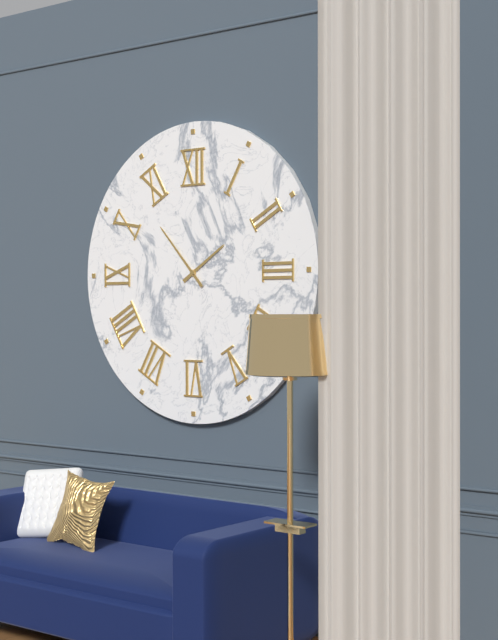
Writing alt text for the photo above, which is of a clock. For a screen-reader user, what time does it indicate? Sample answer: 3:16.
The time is 1:53
